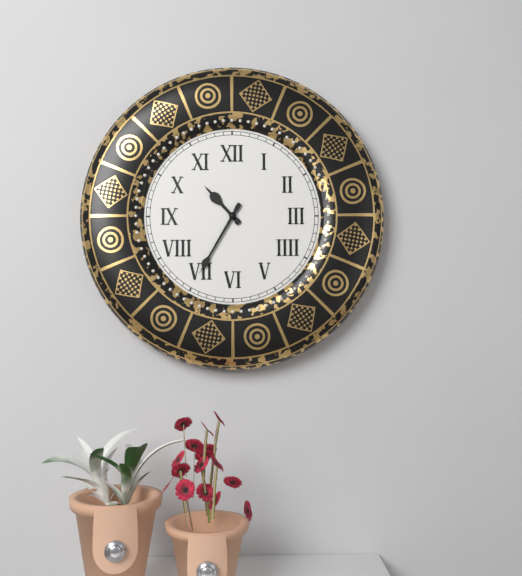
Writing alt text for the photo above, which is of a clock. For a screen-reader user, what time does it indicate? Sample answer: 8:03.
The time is 10:35
